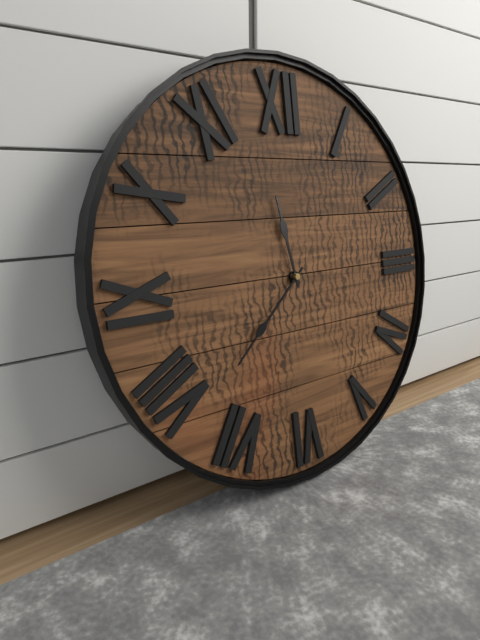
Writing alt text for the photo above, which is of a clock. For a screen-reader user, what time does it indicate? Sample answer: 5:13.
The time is 11:38
